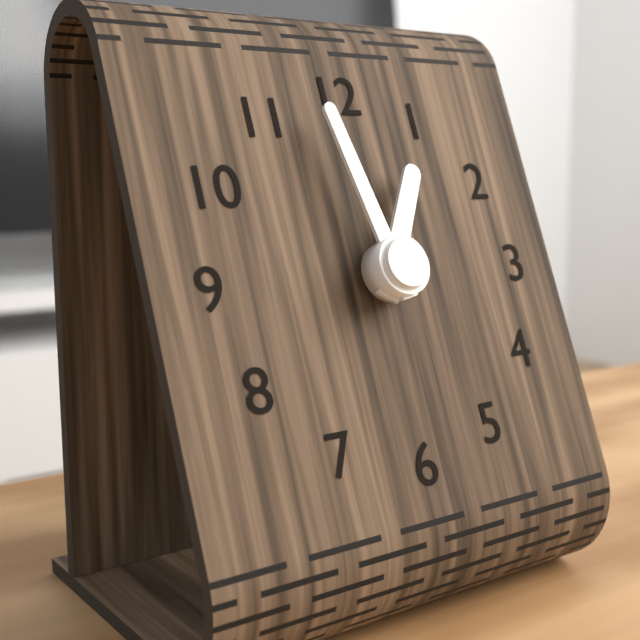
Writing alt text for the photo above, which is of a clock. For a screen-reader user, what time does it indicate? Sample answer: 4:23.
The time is 12:58
